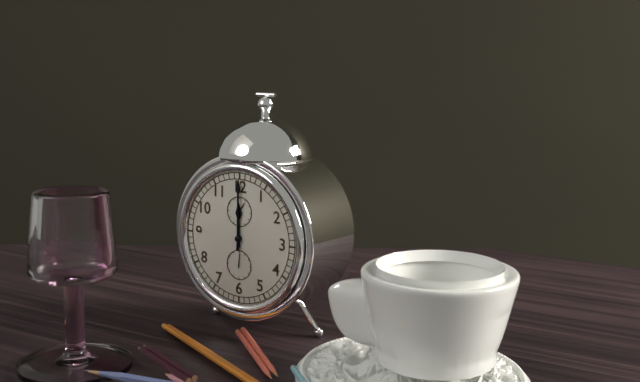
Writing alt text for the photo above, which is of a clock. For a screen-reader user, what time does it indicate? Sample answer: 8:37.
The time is 12:00
